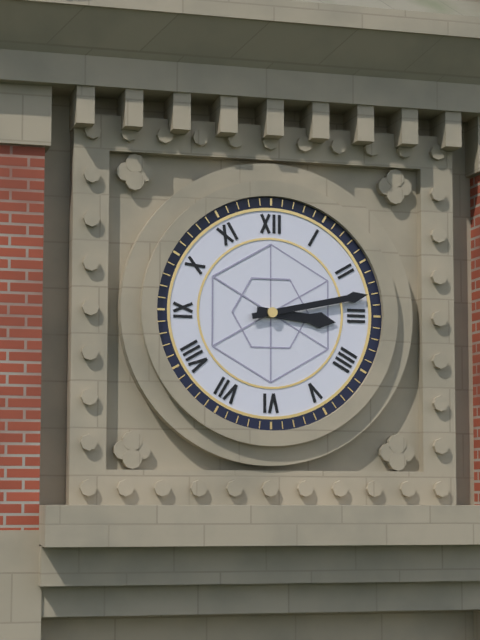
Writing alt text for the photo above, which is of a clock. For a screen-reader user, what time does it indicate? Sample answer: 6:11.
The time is 3:13
